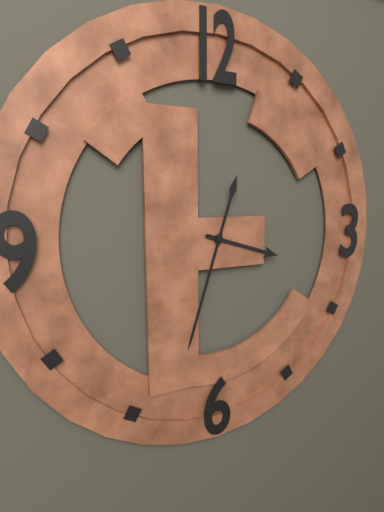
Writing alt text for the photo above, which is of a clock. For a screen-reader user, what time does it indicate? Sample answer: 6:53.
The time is 3:33
